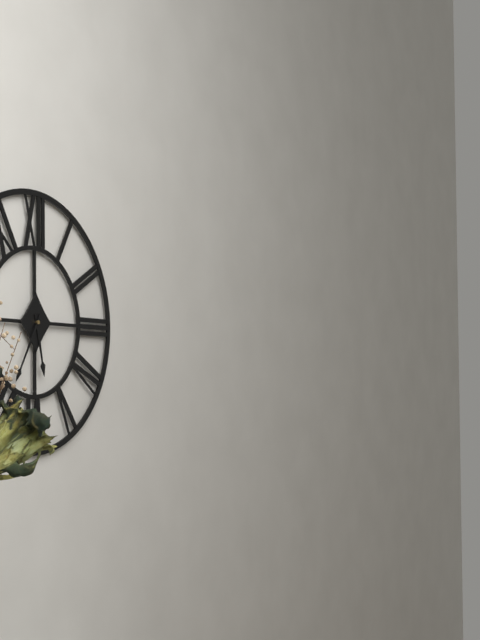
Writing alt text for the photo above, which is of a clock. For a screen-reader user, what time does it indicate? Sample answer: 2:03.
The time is 5:35
